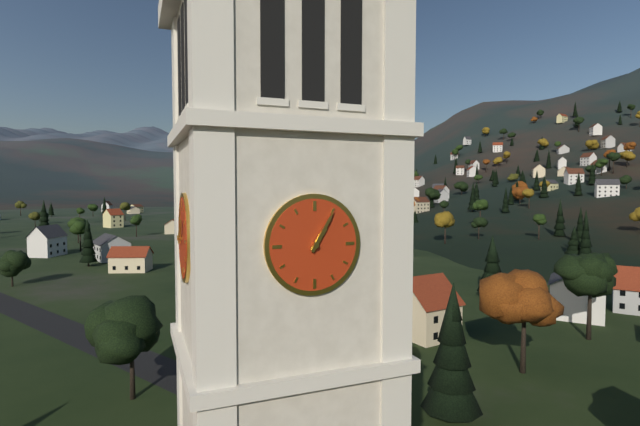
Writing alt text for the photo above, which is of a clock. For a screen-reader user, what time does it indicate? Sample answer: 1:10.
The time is 1:05
